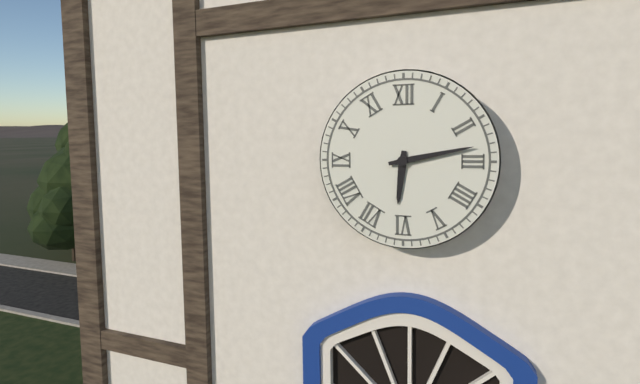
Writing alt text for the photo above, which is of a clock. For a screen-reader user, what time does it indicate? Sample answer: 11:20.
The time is 6:13
